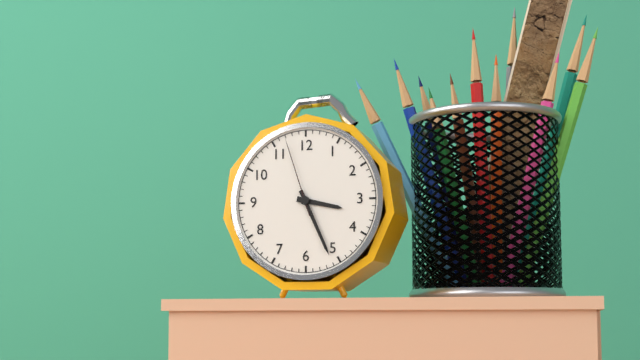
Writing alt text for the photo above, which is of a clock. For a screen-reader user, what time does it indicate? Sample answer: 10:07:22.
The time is 3:26:57
